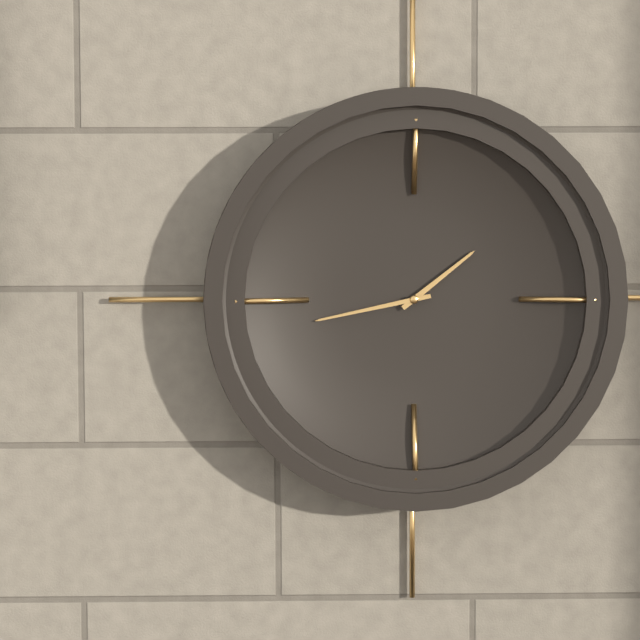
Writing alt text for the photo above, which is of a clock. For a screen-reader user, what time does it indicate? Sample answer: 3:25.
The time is 1:43
